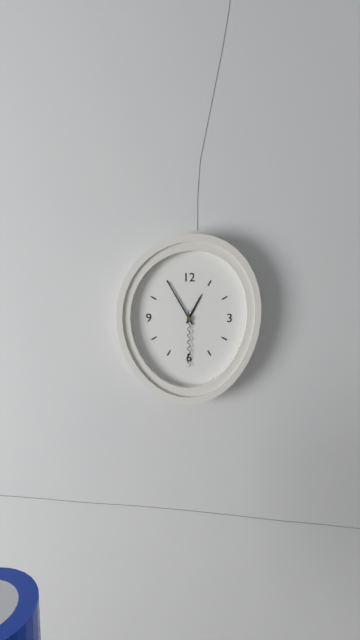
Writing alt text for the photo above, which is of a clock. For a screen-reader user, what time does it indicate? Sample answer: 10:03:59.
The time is 12:55:30
